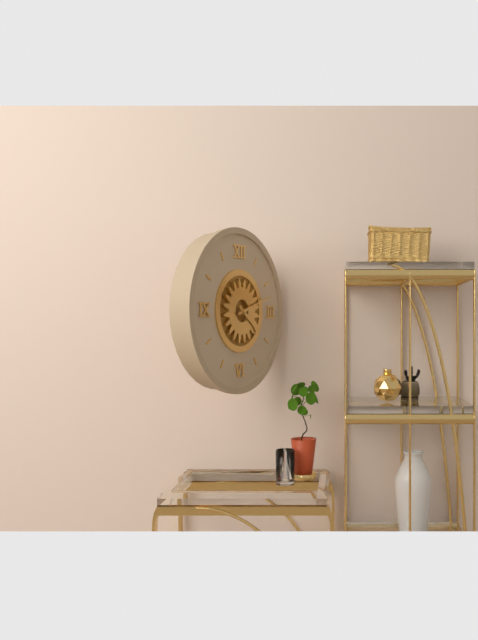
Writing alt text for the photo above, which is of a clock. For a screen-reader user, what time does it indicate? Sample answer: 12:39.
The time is 4:12
